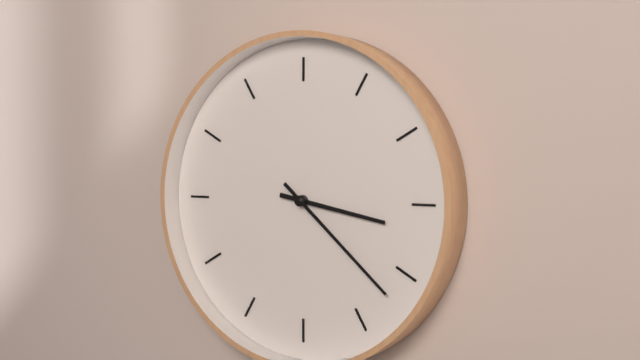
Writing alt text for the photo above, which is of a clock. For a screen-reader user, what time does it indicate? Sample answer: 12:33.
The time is 3:22
